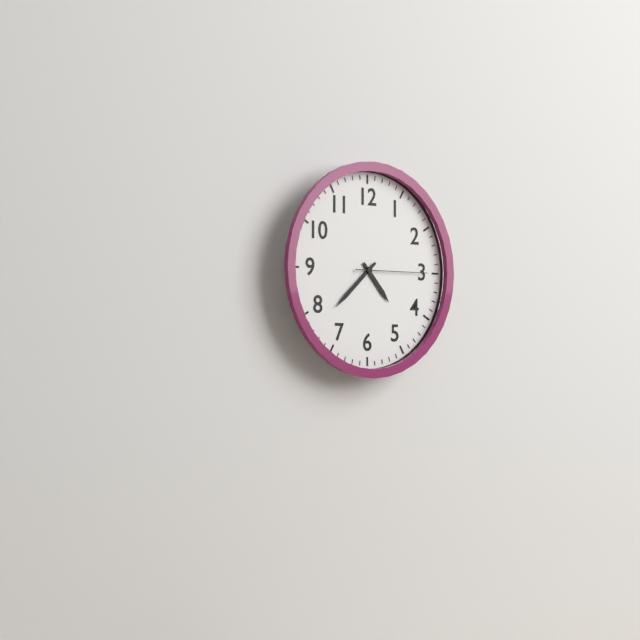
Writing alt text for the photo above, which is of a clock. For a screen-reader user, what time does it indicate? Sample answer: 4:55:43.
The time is 4:38:15
